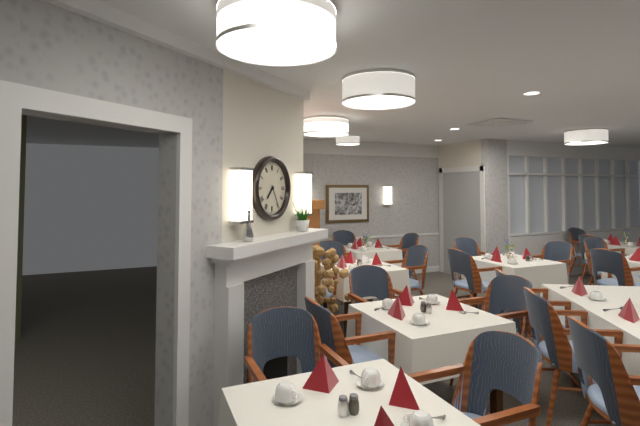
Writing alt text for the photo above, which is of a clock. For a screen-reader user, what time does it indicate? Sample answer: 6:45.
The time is 7:25
